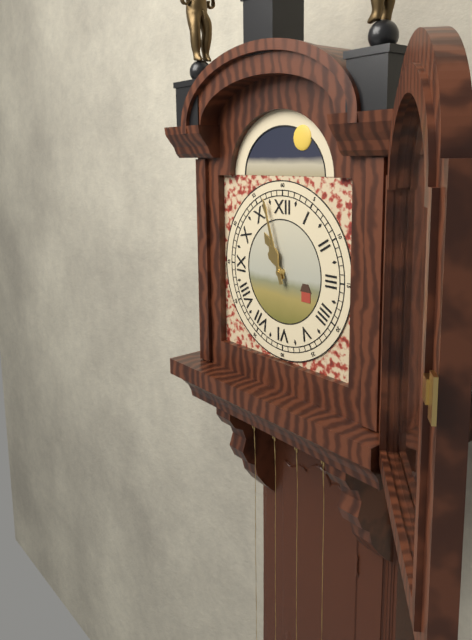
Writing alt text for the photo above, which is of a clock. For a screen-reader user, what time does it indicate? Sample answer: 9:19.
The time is 10:57
